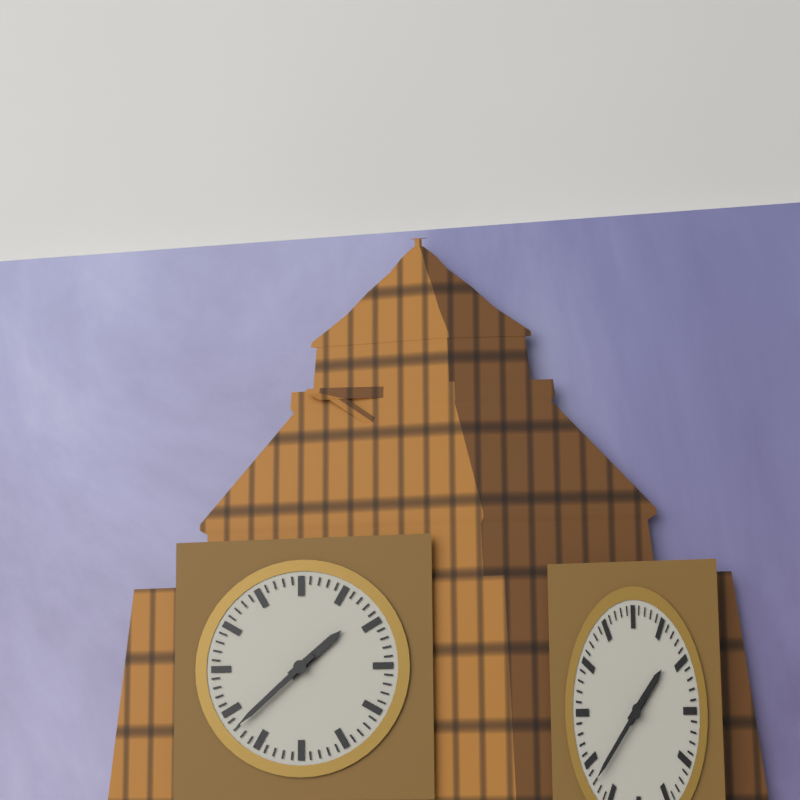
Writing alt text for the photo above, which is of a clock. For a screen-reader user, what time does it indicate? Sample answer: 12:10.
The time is 1:38
